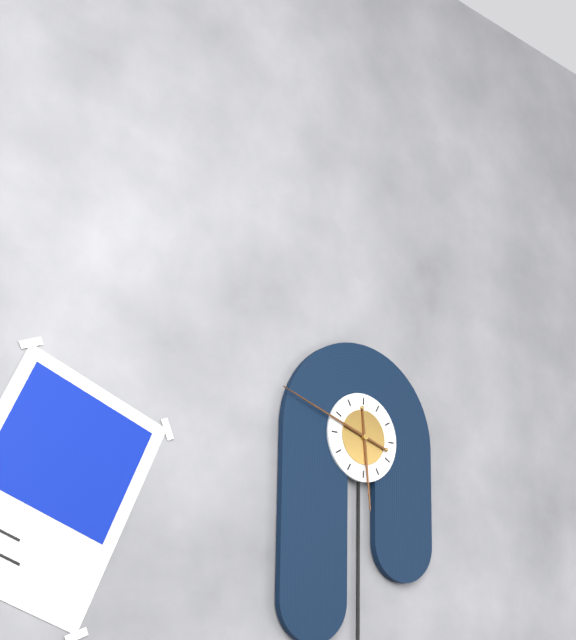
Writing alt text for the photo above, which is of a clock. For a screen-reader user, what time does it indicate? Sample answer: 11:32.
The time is 5:48
